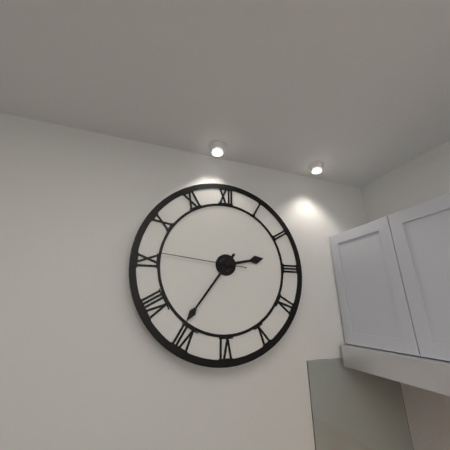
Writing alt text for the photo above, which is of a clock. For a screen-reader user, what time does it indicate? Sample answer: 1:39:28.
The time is 2:36:46
